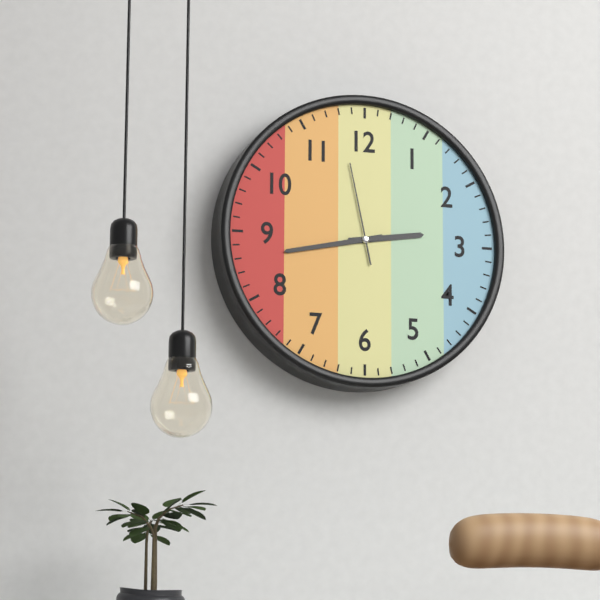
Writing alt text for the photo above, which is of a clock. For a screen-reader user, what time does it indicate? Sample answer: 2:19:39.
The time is 2:43:58
